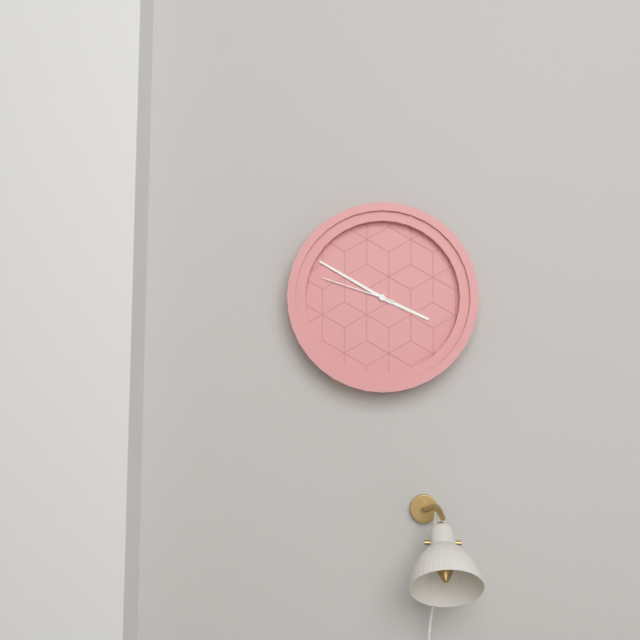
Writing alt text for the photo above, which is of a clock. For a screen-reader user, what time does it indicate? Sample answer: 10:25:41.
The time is 3:50:48
